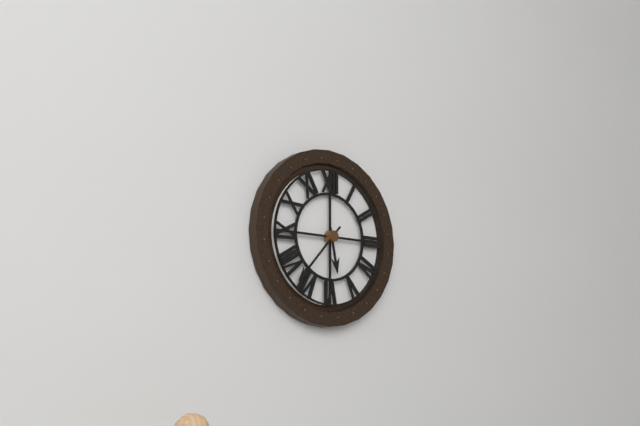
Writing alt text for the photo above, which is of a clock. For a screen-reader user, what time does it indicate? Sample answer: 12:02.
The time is 5:37
